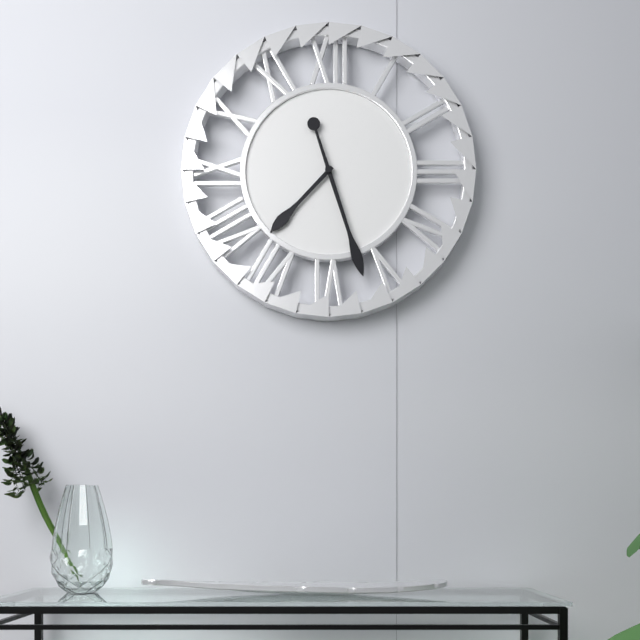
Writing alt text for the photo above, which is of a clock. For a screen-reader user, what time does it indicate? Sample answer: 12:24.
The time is 7:27
